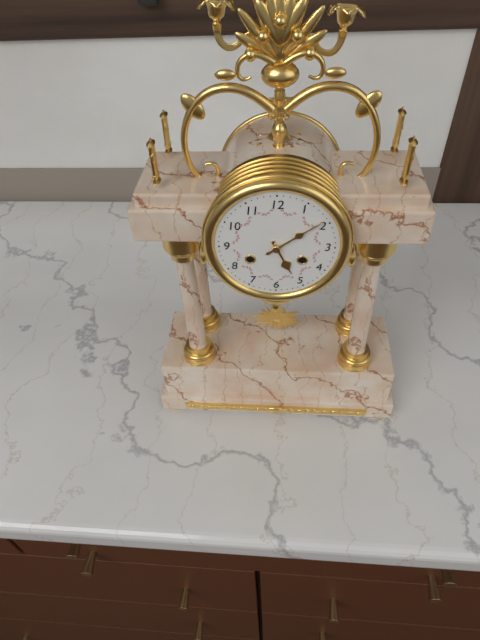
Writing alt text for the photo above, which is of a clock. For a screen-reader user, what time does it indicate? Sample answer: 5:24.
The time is 5:09
